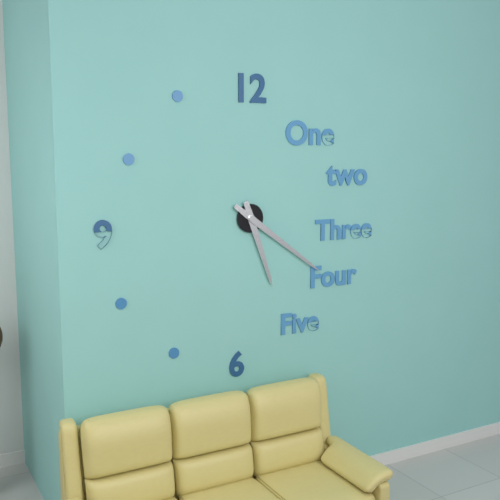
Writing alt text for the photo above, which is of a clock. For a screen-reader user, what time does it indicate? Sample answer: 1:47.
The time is 5:21
